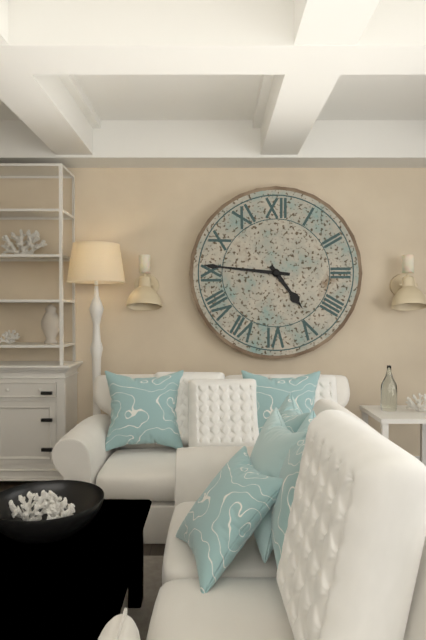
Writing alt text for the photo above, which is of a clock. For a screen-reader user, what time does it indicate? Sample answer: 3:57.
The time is 4:46
